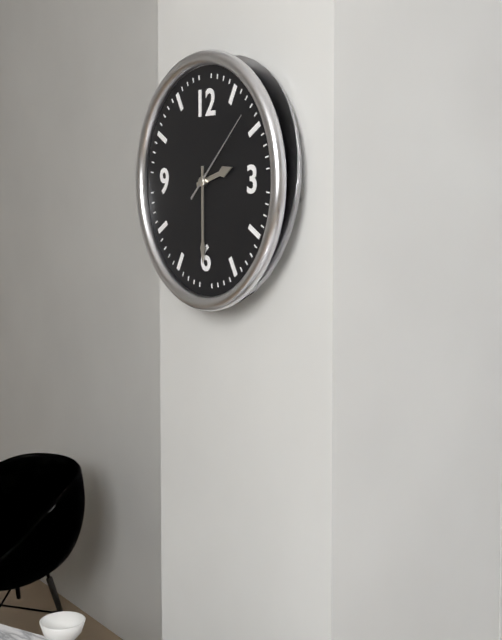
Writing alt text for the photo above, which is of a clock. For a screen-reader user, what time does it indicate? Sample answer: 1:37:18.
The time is 2:30:08
